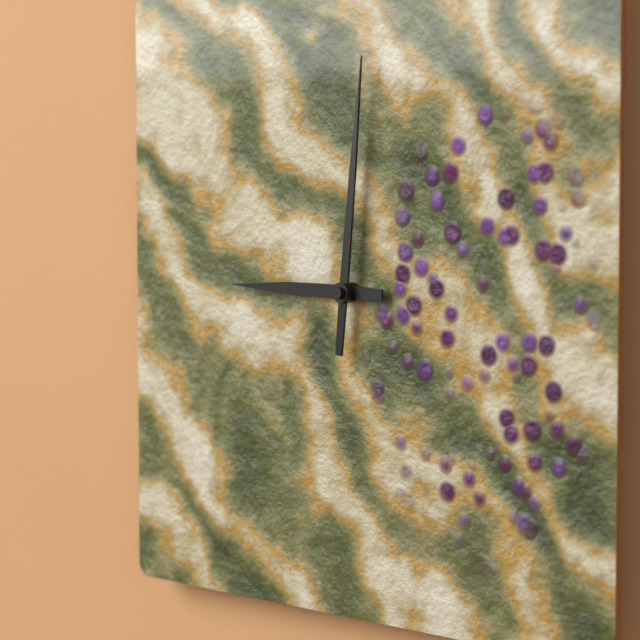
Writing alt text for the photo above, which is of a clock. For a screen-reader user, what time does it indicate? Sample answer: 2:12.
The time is 9:01
